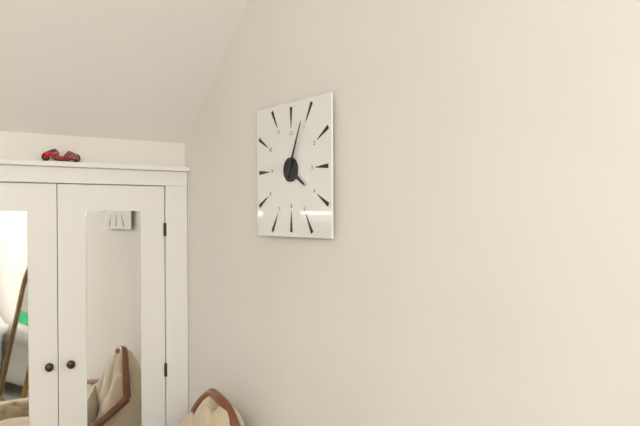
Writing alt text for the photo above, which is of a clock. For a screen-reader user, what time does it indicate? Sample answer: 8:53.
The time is 4:04
